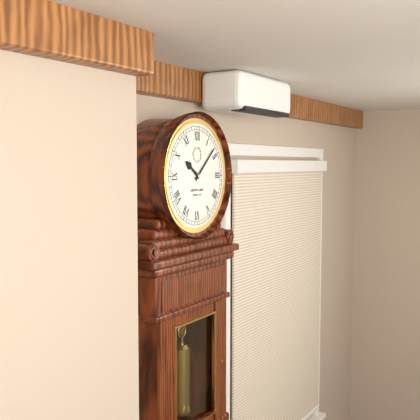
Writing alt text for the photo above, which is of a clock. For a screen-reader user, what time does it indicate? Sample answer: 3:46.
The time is 10:08
